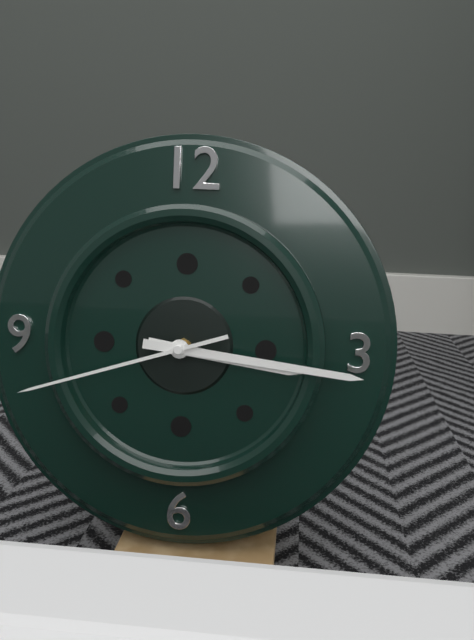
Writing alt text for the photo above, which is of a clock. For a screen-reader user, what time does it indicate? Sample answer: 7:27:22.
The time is 3:16:42
